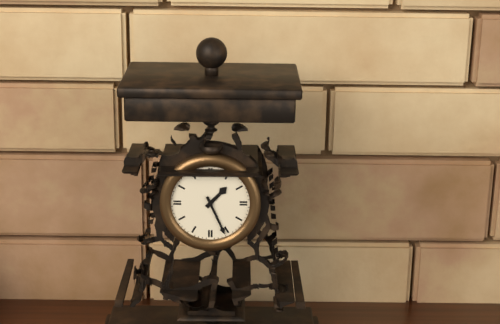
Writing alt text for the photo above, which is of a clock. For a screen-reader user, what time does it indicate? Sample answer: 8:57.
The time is 1:26
